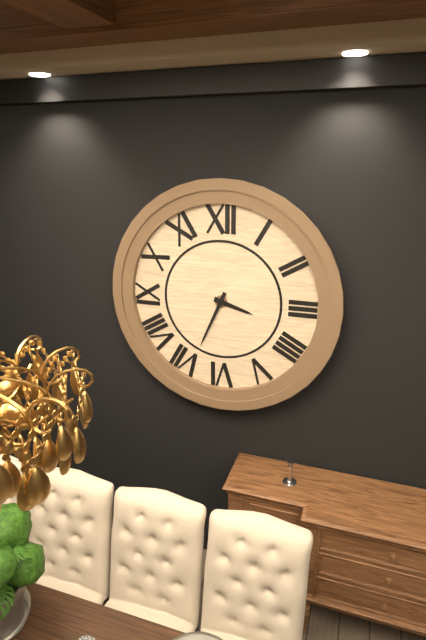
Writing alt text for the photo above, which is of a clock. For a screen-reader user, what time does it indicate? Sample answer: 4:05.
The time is 3:34
